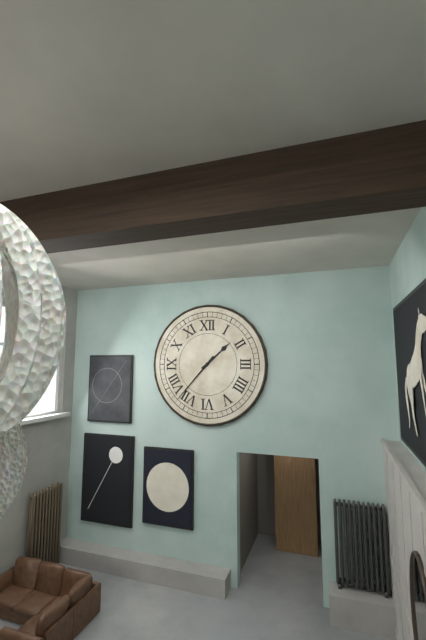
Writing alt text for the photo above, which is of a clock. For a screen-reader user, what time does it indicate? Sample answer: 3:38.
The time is 1:37
